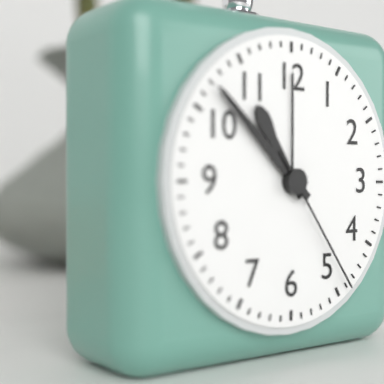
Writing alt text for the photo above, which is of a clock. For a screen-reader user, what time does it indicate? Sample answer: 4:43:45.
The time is 10:52:24
